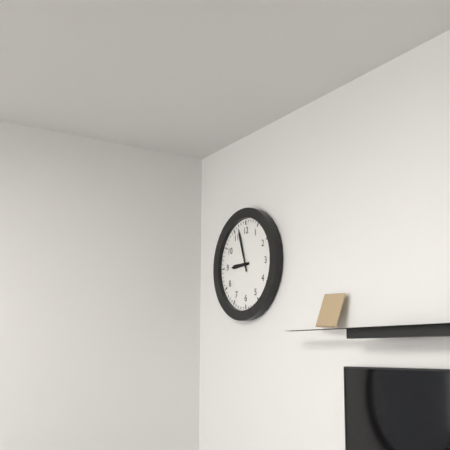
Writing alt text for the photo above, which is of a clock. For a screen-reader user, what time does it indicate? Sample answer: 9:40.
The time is 8:57
